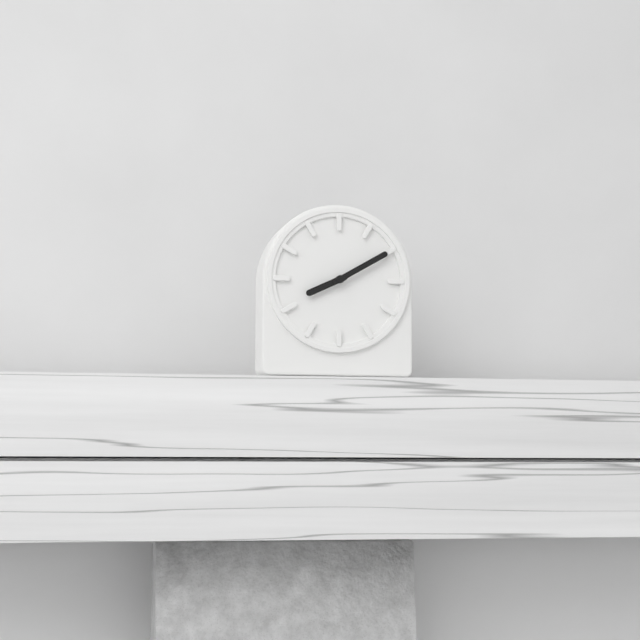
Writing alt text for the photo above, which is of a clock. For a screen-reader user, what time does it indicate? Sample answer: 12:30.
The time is 8:10
